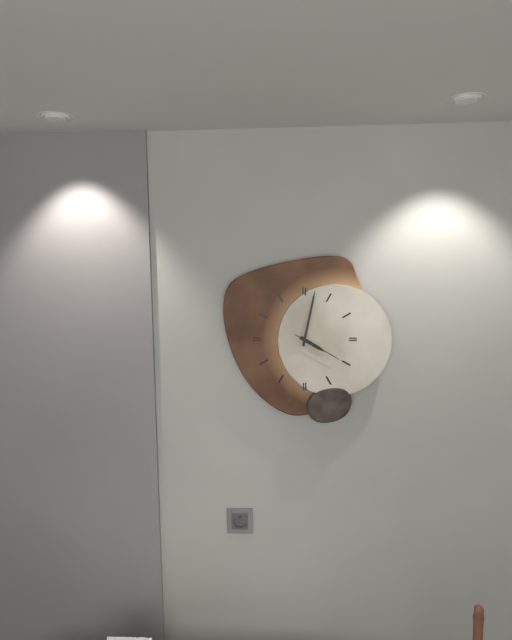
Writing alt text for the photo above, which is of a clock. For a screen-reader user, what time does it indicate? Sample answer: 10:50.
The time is 4:02
